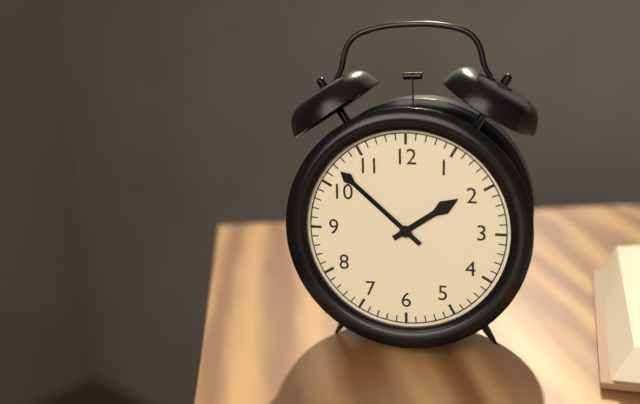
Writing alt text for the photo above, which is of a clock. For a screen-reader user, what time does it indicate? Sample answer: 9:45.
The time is 1:52
